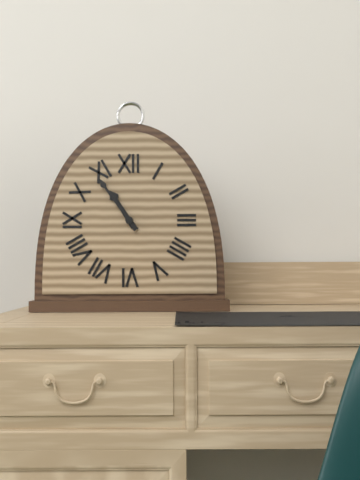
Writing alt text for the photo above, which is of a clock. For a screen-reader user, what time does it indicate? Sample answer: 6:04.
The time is 10:54
